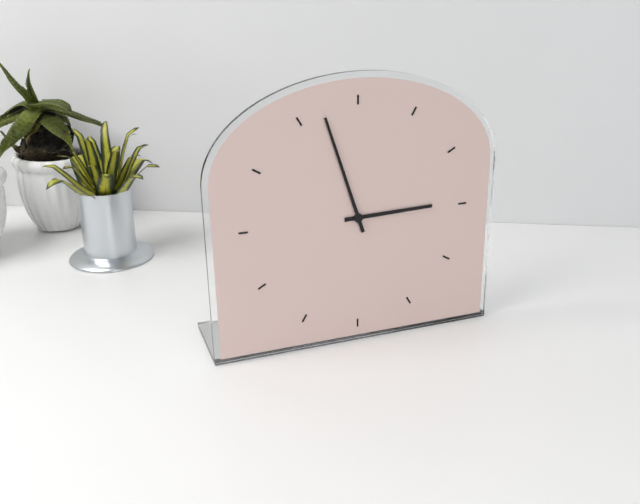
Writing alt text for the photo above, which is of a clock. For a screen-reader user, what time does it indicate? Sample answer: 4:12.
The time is 2:57
